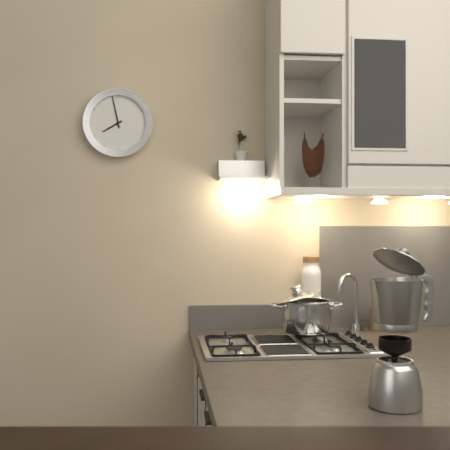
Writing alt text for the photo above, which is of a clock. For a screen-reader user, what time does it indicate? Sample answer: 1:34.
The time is 7:58
